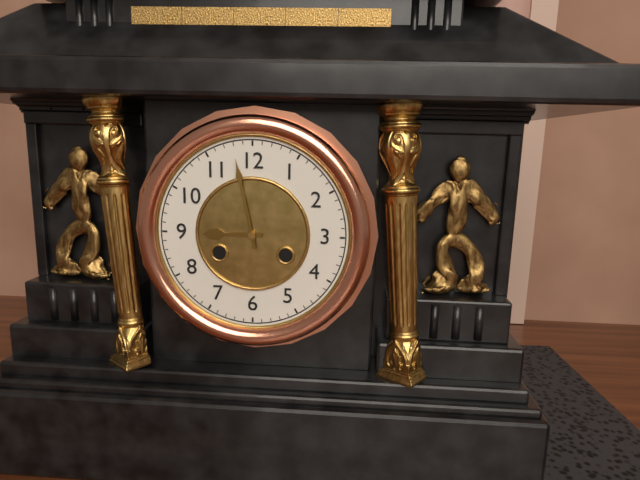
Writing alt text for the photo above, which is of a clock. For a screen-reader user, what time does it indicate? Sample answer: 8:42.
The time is 8:58
